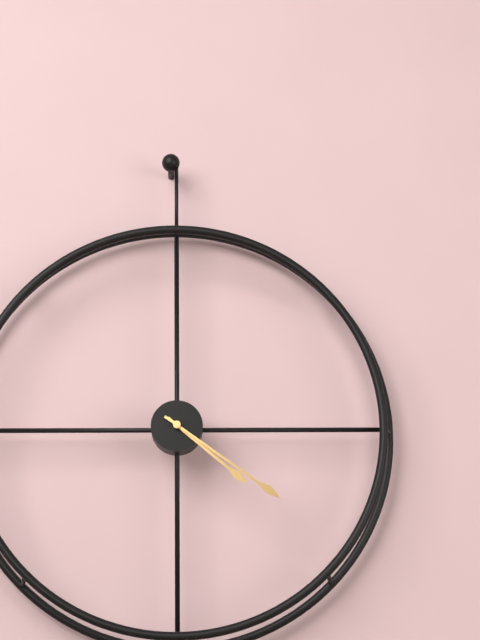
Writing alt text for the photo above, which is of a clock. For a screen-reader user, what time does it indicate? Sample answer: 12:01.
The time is 4:21
